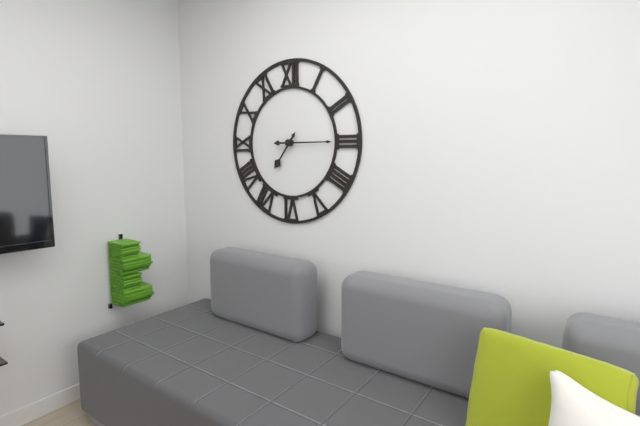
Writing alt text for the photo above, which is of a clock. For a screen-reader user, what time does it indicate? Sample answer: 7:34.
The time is 7:15
